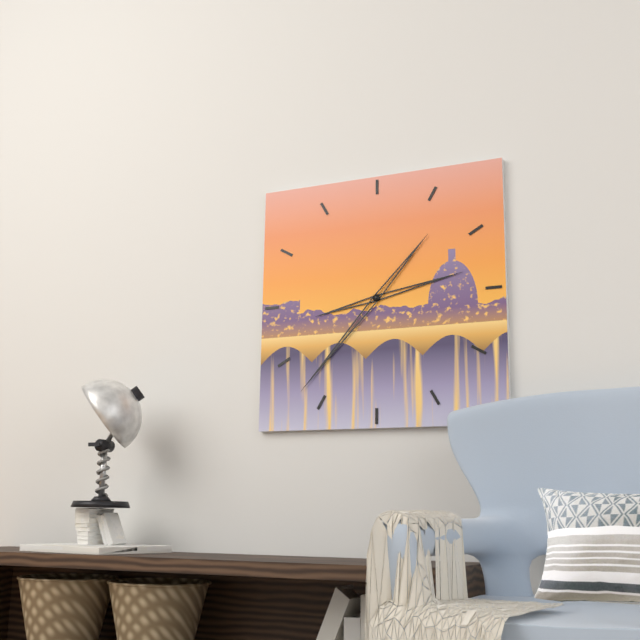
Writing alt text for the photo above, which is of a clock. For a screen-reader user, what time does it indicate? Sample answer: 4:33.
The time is 2:37
